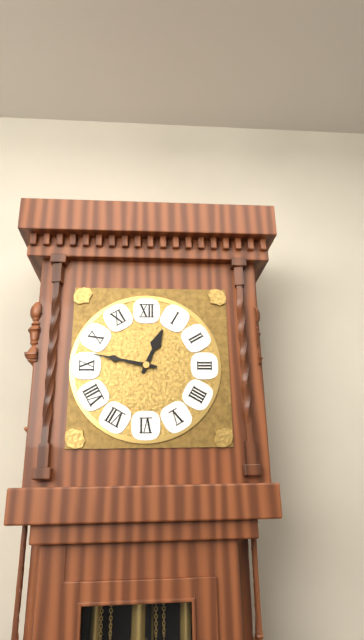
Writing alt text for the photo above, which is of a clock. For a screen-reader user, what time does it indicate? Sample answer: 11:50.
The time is 12:47
